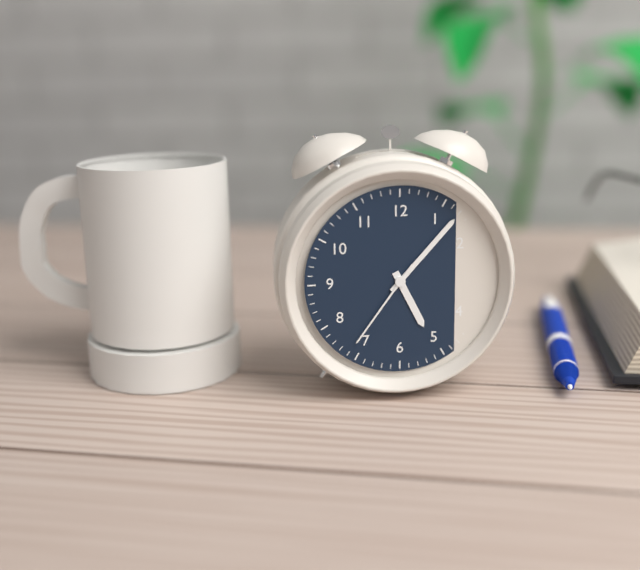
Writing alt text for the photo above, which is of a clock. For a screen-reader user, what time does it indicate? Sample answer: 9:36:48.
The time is 5:07:36
